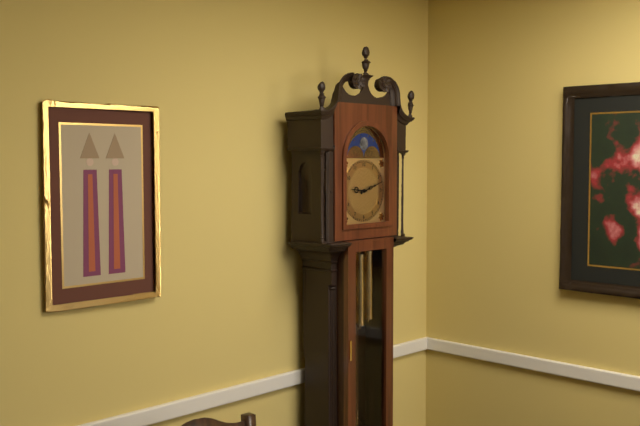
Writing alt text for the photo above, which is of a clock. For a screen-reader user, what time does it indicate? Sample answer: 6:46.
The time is 9:12
